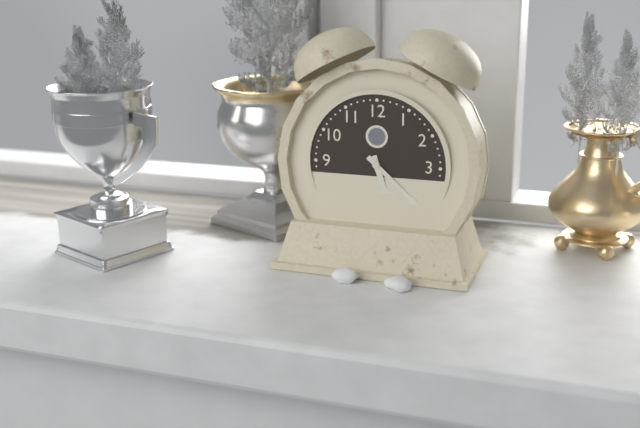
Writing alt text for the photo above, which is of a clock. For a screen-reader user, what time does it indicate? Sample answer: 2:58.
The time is 5:22
